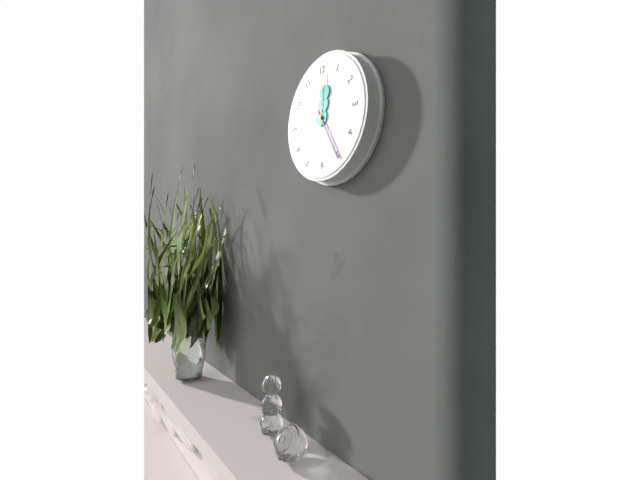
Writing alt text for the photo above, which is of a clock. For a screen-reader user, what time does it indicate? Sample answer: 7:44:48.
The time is 12:25:01
